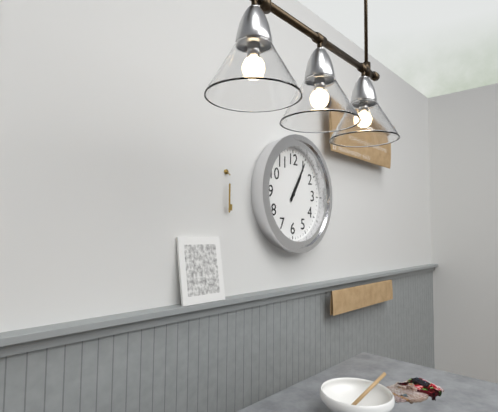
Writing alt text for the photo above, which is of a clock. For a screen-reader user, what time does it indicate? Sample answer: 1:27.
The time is 1:05
